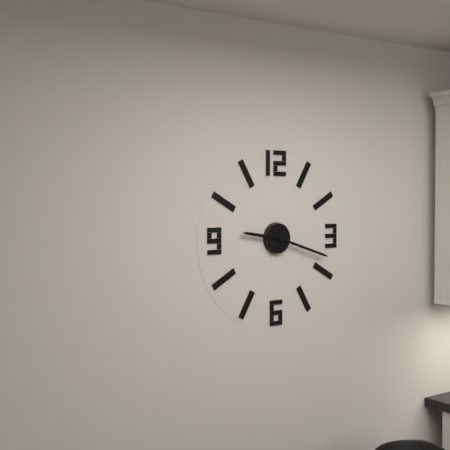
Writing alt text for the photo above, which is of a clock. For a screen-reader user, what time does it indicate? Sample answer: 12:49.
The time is 9:18
